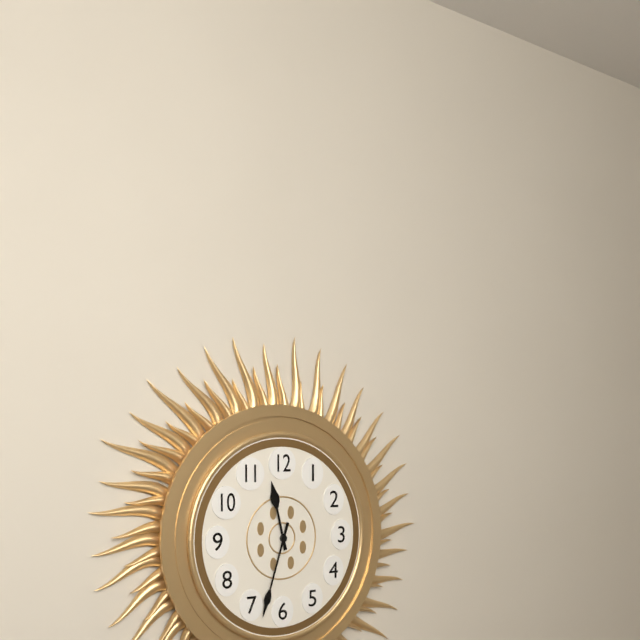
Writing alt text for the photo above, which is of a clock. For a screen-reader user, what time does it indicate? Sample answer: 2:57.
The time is 11:33
